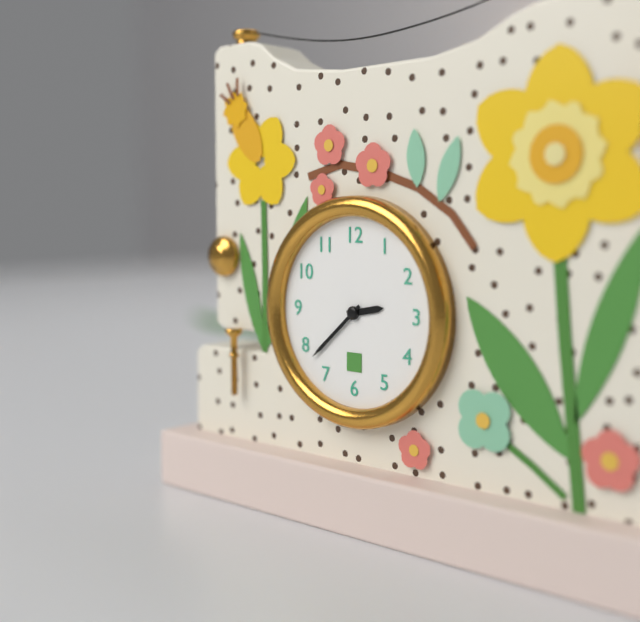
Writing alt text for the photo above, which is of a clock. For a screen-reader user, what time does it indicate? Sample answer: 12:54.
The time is 2:38
